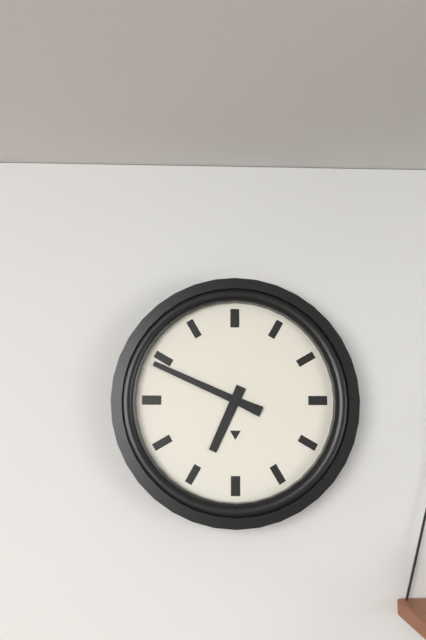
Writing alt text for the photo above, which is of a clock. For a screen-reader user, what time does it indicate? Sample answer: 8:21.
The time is 6:49
